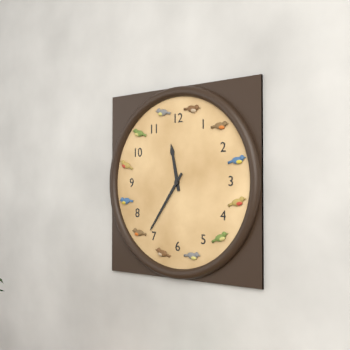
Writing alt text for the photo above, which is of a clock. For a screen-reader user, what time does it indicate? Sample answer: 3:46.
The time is 11:36
